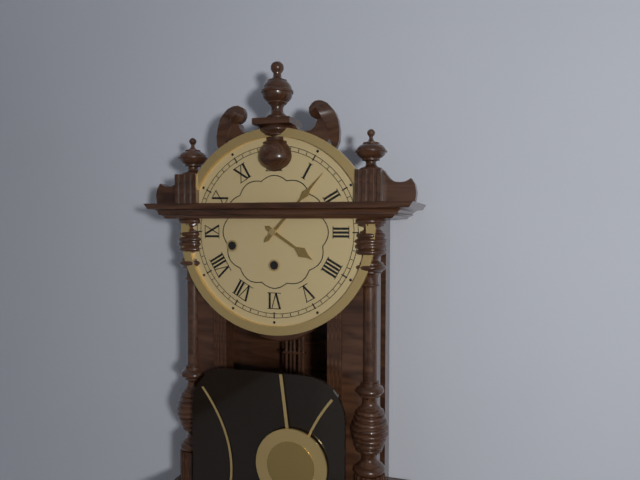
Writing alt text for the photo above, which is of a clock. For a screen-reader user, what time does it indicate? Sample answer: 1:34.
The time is 4:07
